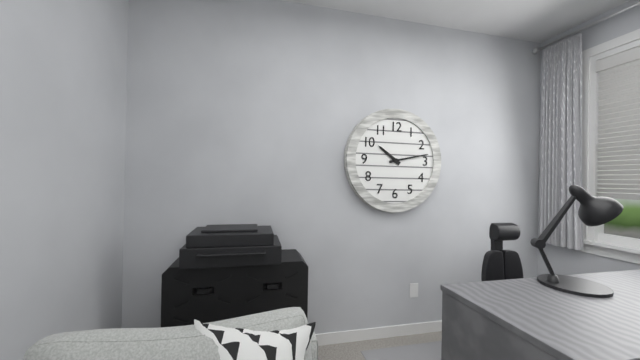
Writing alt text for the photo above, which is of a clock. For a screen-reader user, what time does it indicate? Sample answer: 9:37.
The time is 10:13
